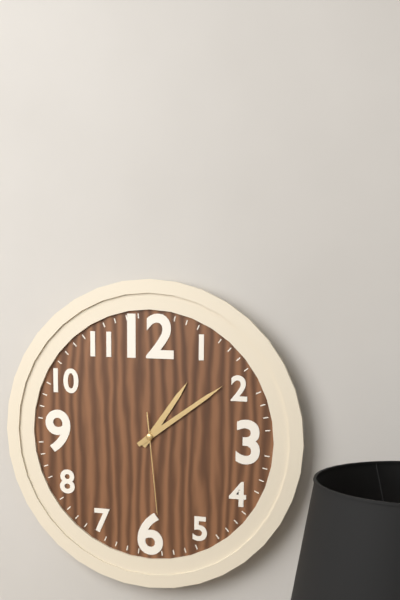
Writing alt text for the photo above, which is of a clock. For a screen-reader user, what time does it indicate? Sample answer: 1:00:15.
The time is 1:09:29
